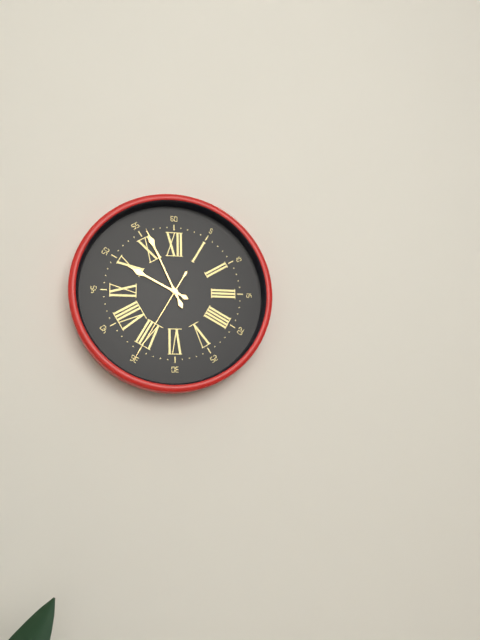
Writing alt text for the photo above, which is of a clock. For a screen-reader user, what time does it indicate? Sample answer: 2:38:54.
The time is 9:56:35
